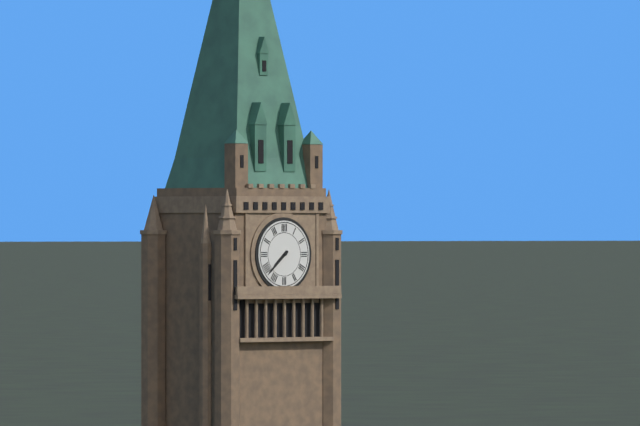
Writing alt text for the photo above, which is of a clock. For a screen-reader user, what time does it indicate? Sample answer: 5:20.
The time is 7:38
